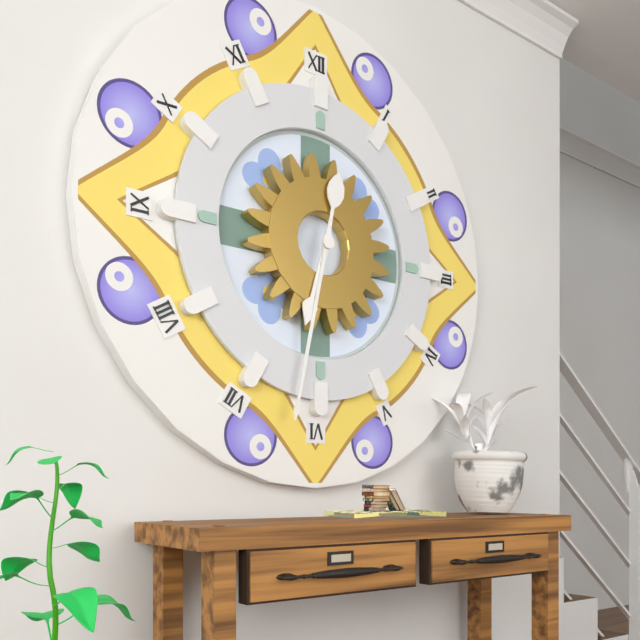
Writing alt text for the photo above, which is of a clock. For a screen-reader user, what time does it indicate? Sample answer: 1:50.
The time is 6:32
